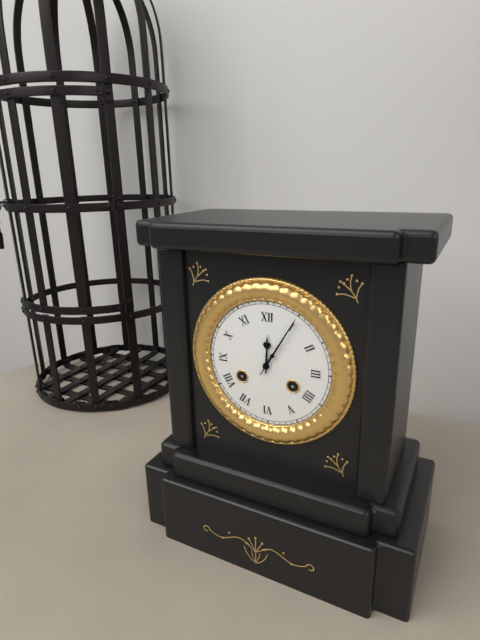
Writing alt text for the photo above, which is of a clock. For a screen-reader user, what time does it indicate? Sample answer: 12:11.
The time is 12:05
